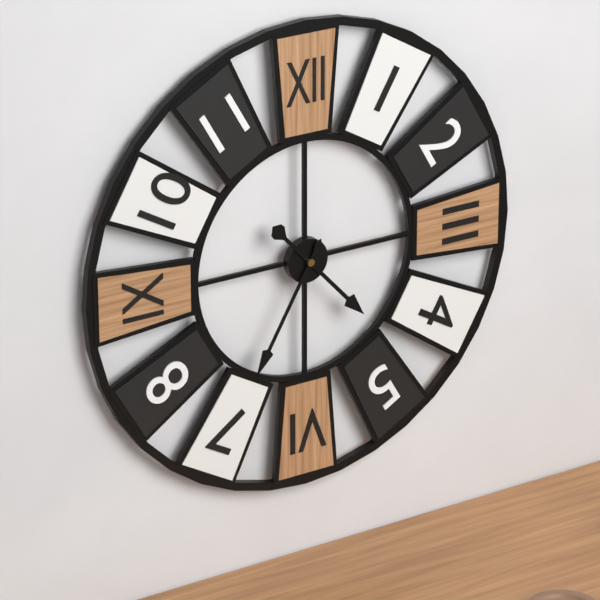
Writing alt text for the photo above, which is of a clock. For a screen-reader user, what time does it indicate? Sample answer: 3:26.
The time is 4:35
